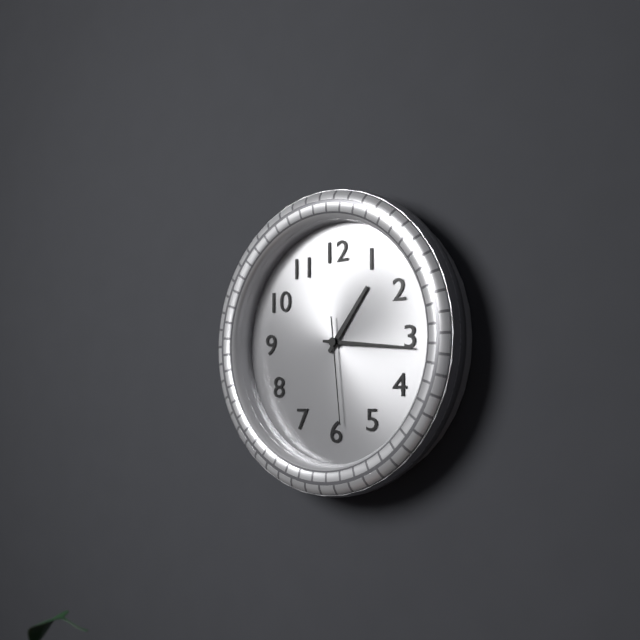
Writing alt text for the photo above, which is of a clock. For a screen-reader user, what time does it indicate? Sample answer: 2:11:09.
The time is 1:16:29
